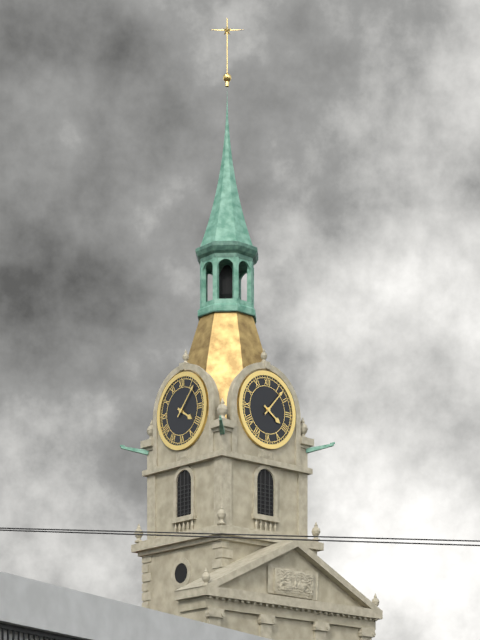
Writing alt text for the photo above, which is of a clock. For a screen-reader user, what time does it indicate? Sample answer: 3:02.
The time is 4:07
